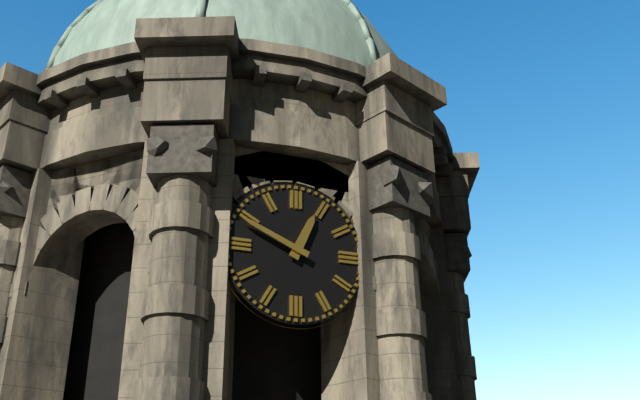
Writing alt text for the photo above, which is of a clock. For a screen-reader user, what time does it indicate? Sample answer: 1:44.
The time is 12:49
